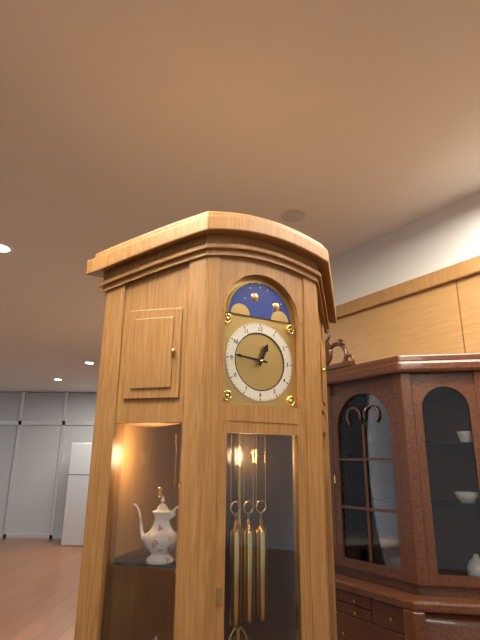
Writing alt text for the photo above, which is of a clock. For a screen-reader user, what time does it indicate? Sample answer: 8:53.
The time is 12:46
